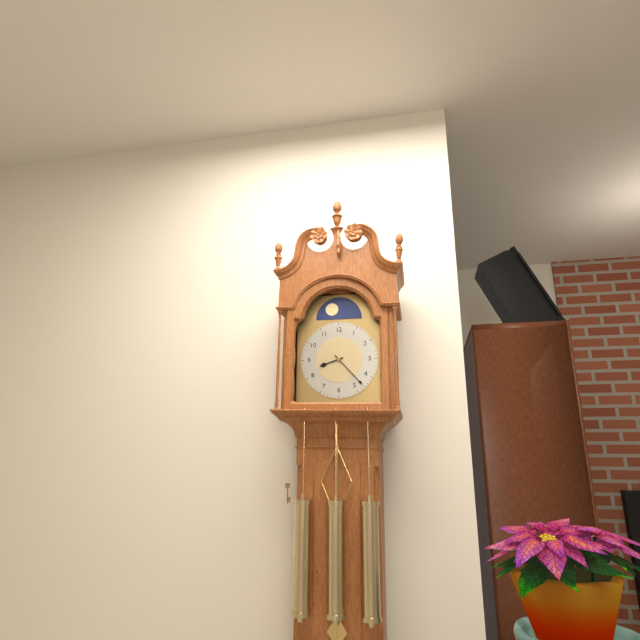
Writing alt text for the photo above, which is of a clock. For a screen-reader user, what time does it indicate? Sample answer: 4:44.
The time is 8:23
